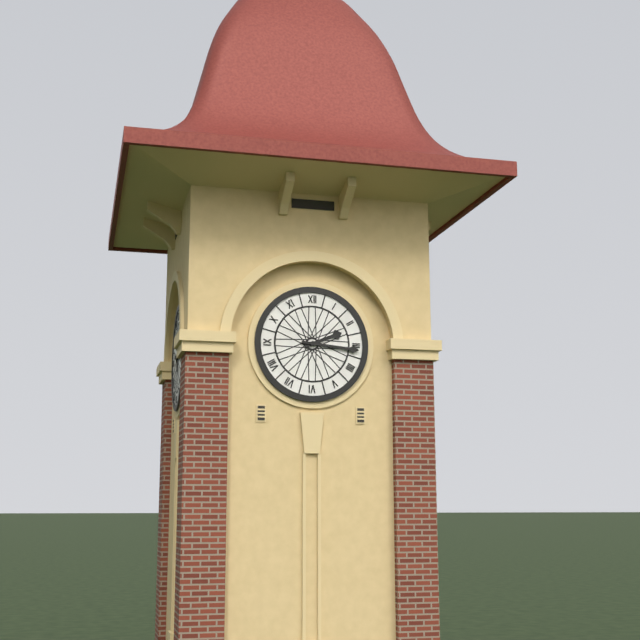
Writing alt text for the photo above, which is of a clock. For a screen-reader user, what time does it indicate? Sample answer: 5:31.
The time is 2:16
